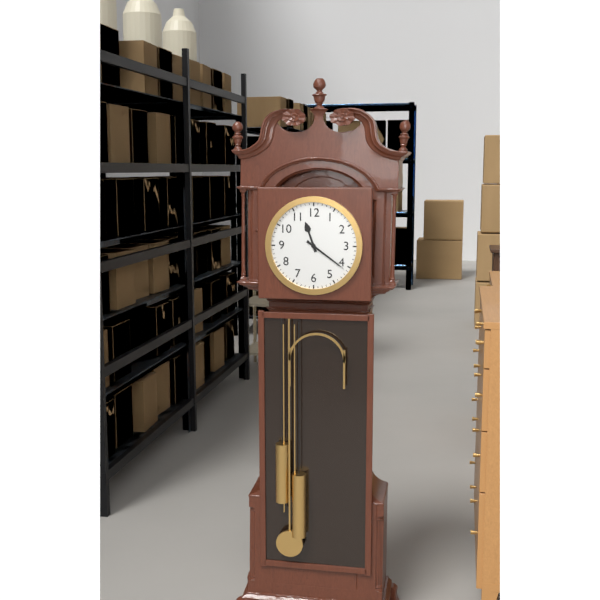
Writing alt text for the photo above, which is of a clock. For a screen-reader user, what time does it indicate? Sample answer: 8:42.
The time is 11:21
